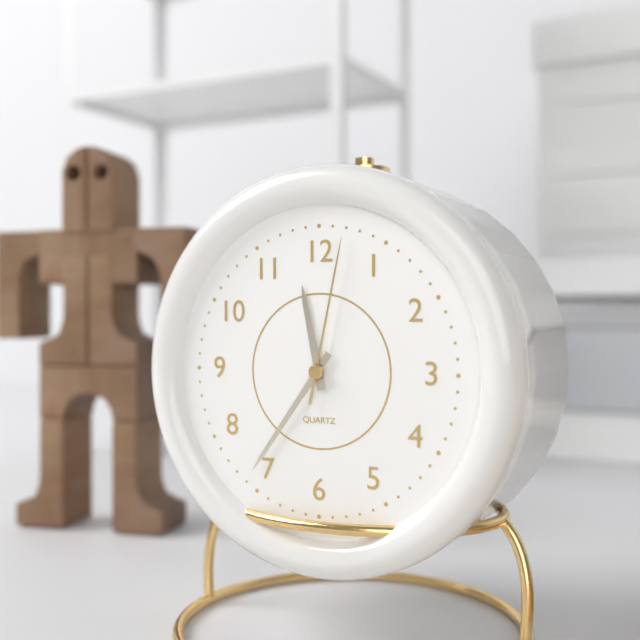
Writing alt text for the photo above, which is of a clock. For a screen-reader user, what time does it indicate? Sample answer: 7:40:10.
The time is 11:36:02
